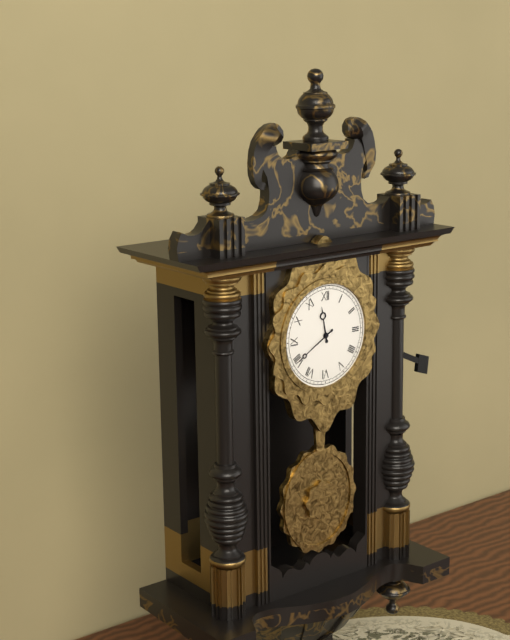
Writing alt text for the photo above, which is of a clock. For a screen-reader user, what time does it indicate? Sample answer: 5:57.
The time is 11:40
